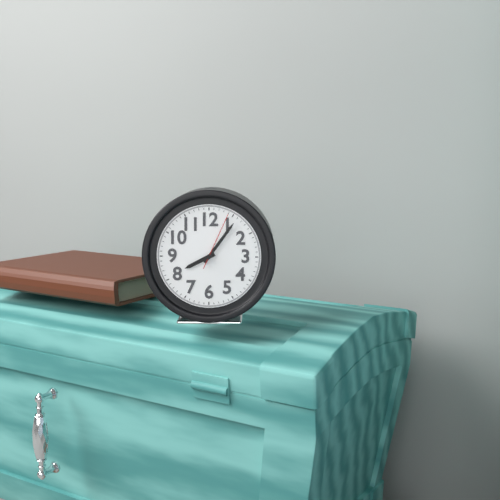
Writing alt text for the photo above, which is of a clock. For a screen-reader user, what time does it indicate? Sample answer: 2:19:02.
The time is 8:06:04
